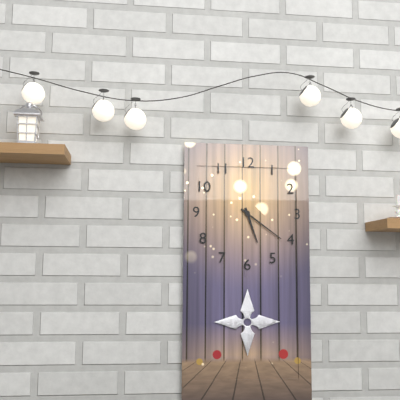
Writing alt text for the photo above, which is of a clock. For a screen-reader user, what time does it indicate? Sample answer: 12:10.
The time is 5:21
